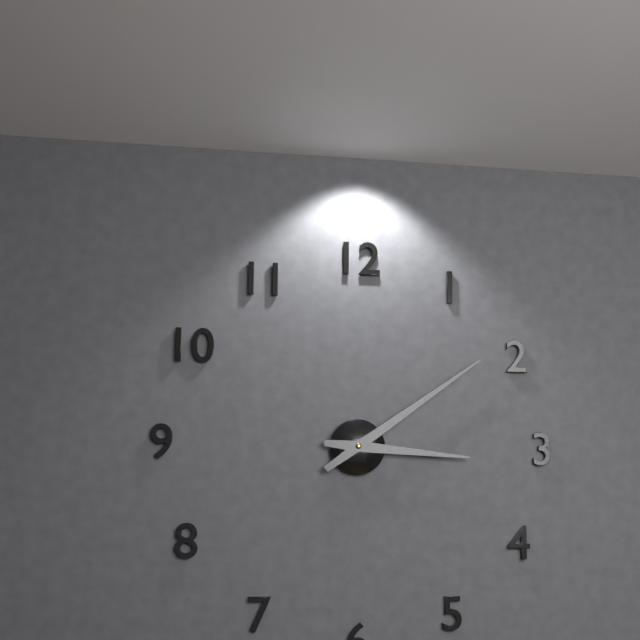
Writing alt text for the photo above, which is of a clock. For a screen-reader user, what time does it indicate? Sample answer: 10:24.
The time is 3:09
